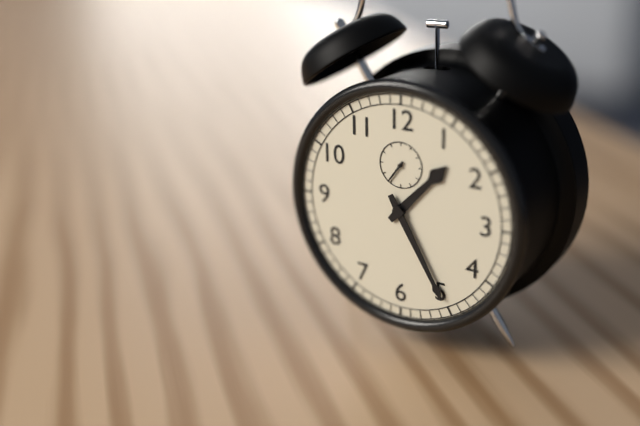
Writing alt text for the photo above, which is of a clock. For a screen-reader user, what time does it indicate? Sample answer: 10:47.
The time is 1:25
